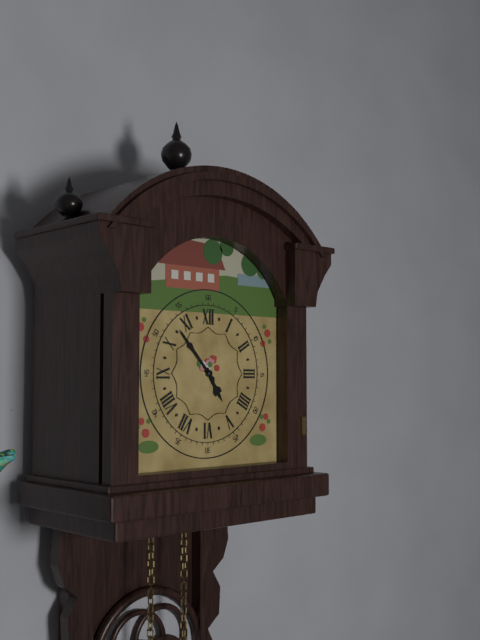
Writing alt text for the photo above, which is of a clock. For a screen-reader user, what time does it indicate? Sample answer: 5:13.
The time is 4:53
